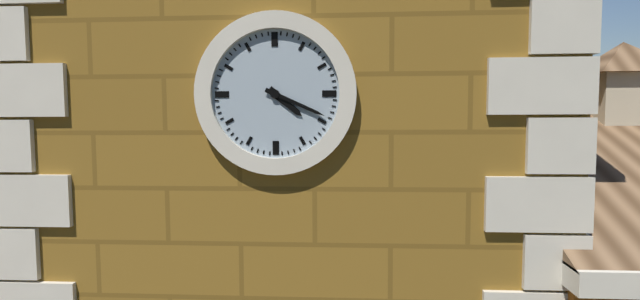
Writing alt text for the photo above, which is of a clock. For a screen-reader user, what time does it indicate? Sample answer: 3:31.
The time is 4:19
